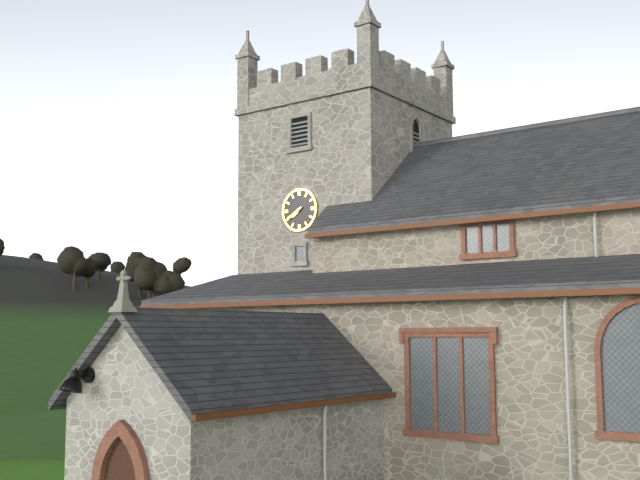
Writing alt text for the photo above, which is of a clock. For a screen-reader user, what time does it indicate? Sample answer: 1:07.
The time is 7:40
